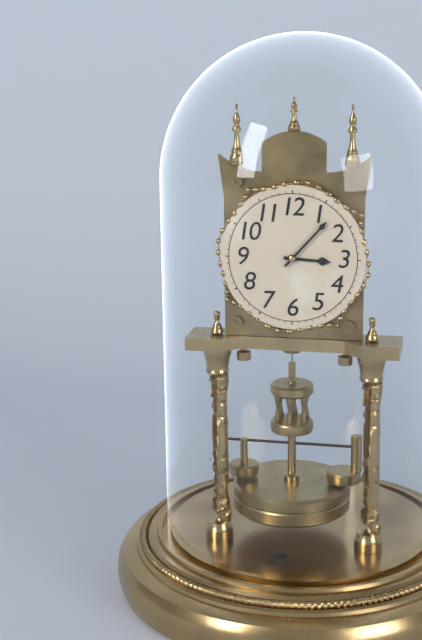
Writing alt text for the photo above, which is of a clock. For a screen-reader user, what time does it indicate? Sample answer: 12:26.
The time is 3:07
